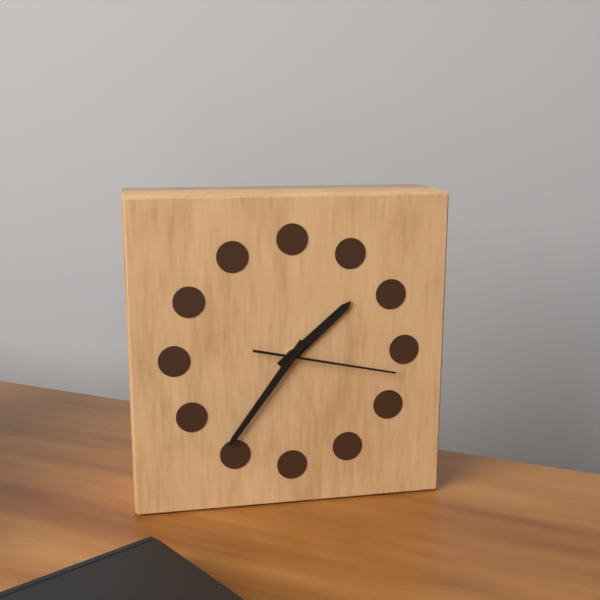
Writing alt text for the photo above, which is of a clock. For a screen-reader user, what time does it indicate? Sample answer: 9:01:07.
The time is 1:36:17
